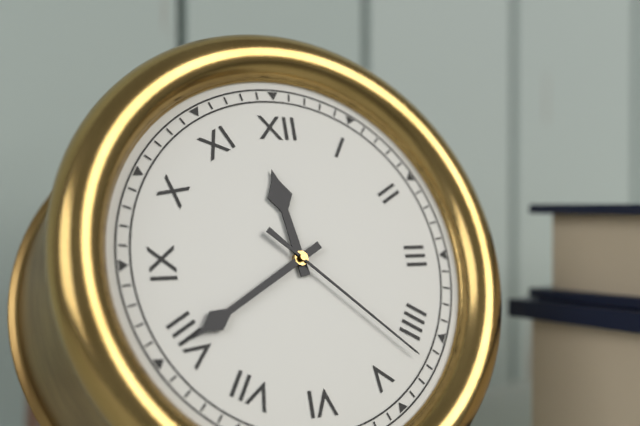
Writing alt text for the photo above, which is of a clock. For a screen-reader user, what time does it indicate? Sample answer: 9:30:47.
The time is 11:40:22
